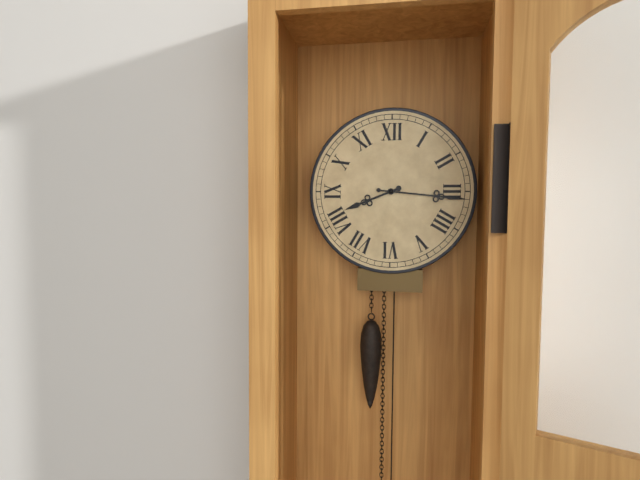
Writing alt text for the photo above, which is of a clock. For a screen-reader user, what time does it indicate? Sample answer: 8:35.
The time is 8:16
